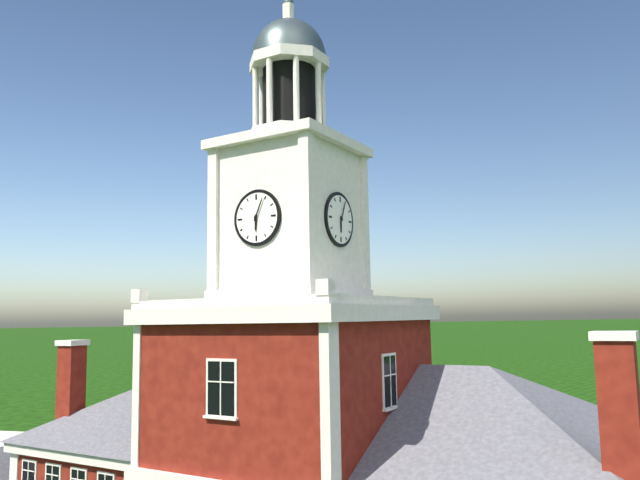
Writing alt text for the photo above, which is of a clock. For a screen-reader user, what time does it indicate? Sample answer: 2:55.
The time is 6:04
